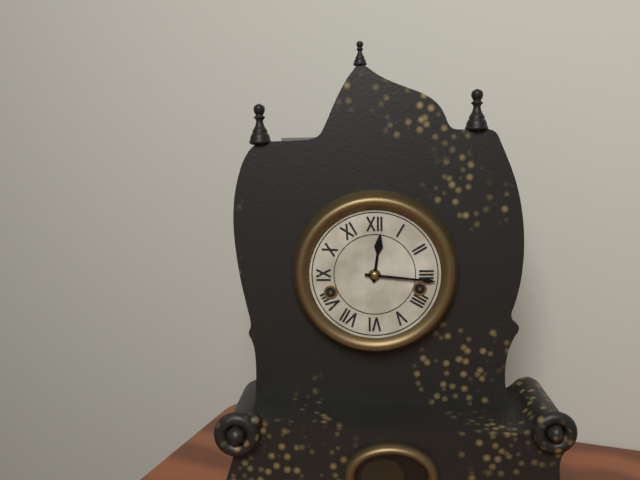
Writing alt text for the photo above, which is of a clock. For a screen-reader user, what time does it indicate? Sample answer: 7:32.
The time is 12:16
